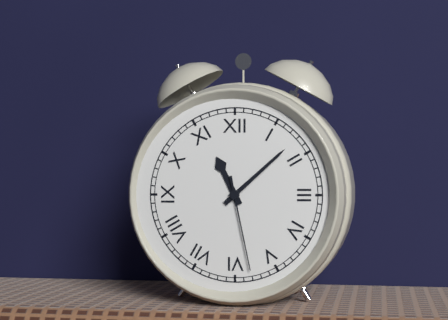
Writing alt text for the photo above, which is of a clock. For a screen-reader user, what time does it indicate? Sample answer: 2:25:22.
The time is 11:08:28
